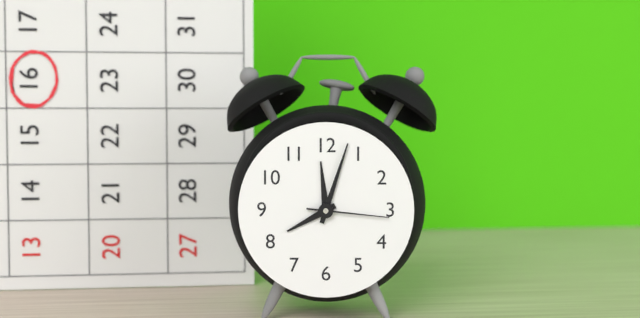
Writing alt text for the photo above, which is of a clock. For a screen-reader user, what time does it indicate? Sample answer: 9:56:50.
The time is 8:03:16
